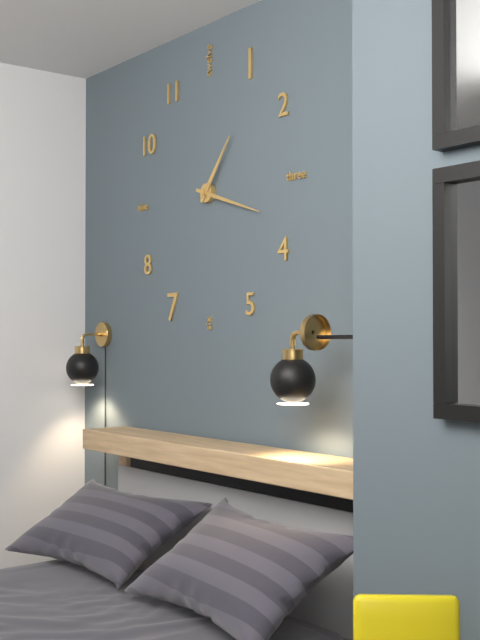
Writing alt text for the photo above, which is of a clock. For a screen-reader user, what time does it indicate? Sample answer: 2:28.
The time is 1:18
